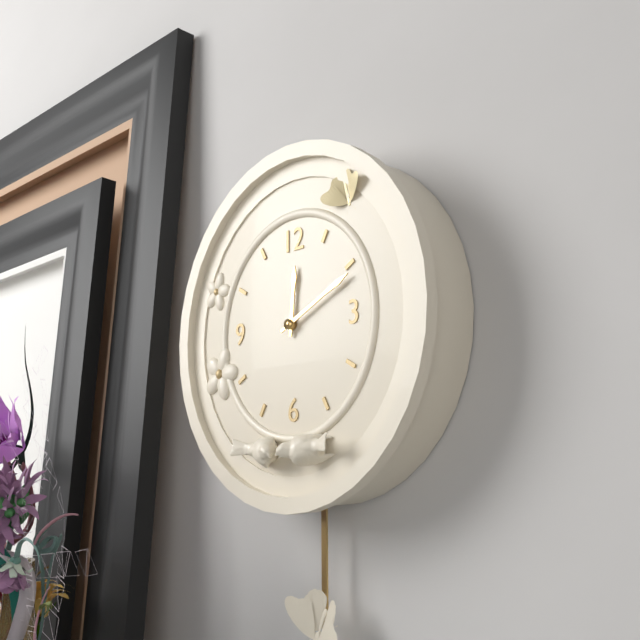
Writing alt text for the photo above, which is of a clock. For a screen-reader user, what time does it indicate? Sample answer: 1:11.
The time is 12:11
